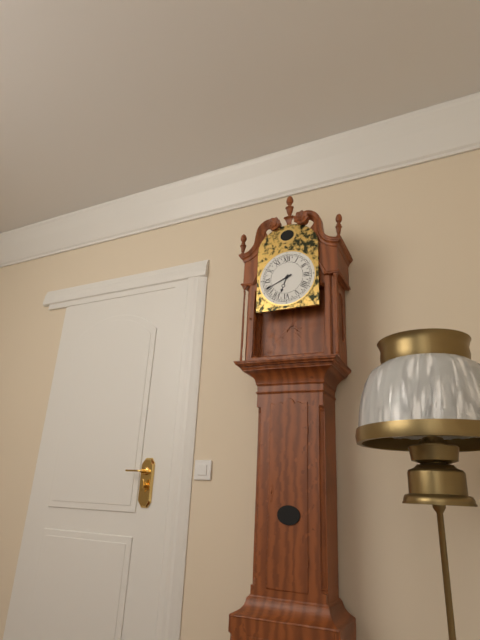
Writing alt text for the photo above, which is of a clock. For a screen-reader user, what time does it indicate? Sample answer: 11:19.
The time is 6:41
